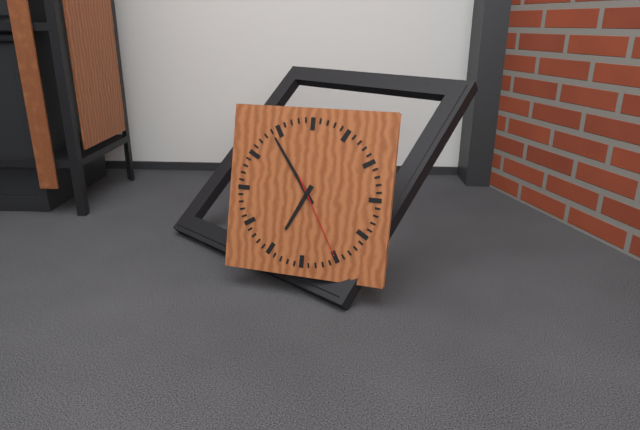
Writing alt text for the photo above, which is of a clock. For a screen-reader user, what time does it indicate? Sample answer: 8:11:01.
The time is 6:54:25
